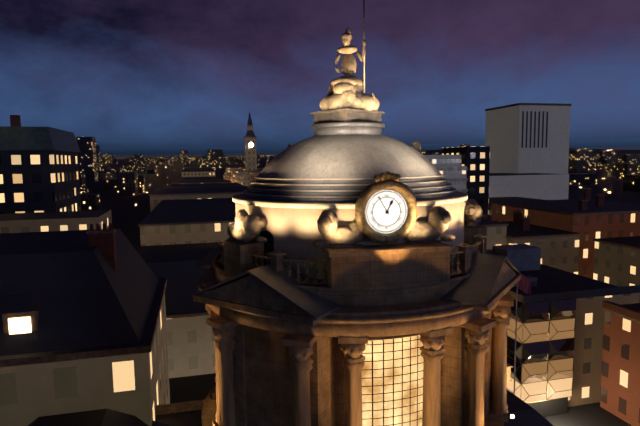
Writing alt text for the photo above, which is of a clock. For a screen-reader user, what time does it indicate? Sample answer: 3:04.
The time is 12:55
